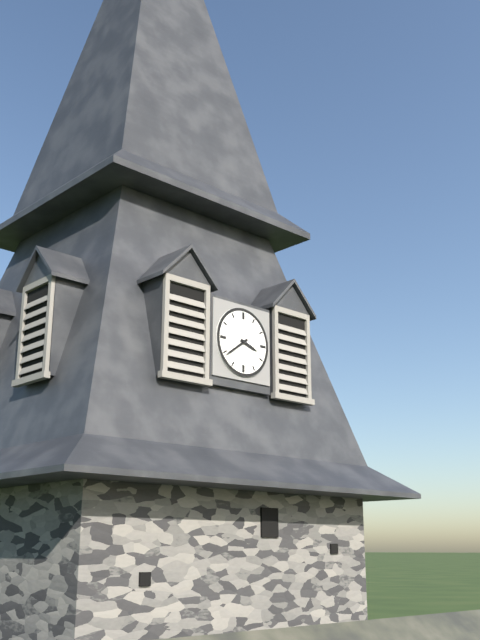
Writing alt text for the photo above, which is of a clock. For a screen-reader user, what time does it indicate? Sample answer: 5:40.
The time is 3:39
